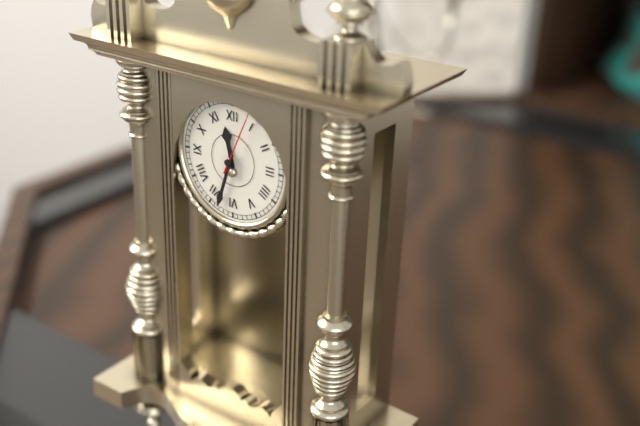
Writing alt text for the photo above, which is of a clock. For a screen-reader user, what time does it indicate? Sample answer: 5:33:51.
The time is 11:33:04
